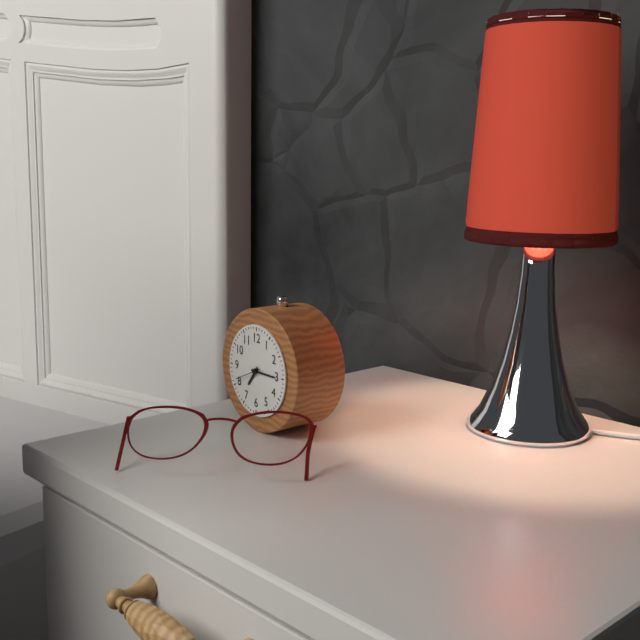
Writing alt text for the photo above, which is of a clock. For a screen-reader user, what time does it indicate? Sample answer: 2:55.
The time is 7:15
